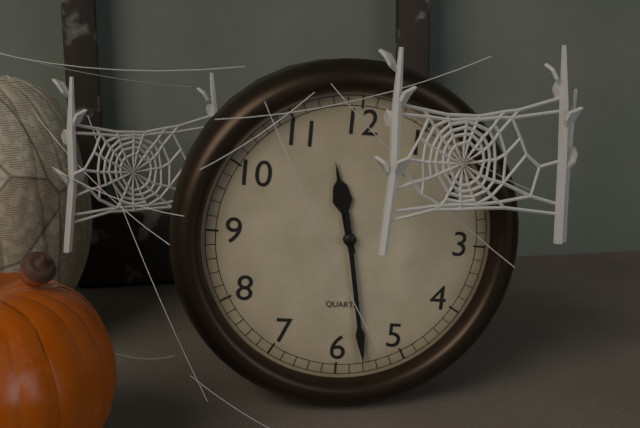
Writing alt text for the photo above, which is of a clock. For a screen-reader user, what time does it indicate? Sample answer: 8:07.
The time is 11:28
